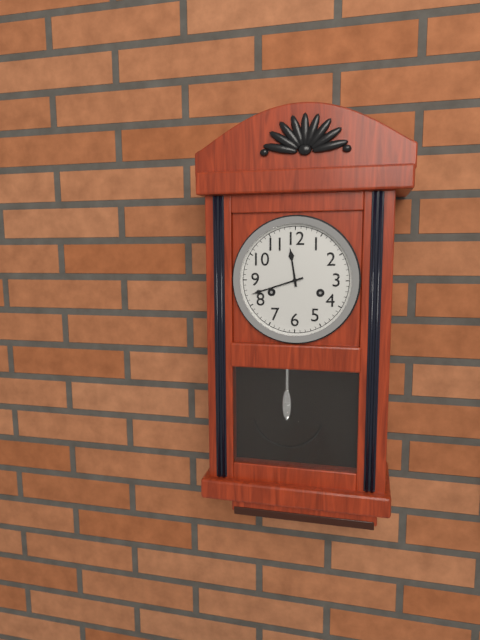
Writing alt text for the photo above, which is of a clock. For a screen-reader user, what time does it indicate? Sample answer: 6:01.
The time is 11:42
